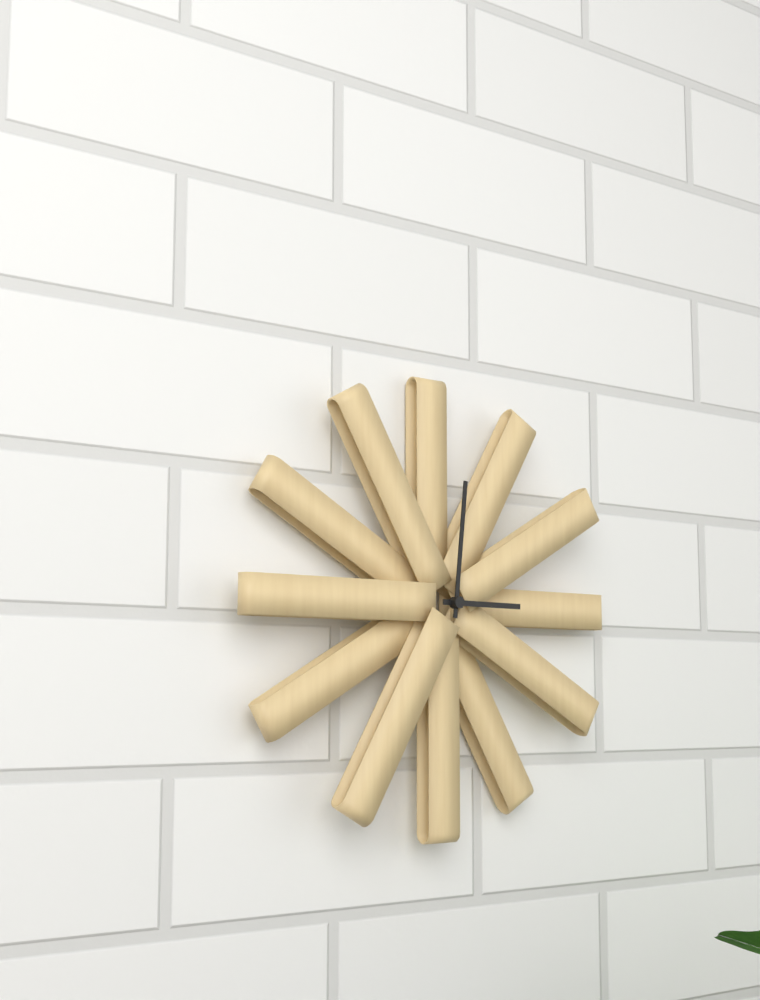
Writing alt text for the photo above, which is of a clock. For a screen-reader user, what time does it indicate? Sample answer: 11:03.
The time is 3:01
